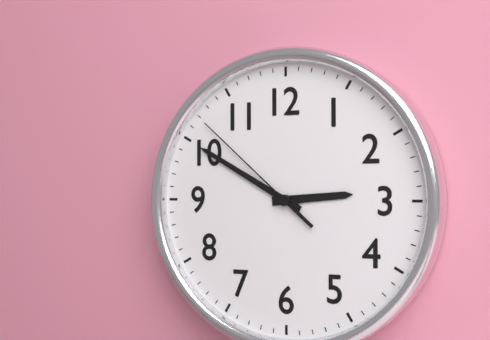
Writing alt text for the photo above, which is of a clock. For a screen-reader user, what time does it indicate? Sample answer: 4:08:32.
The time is 2:50:52
